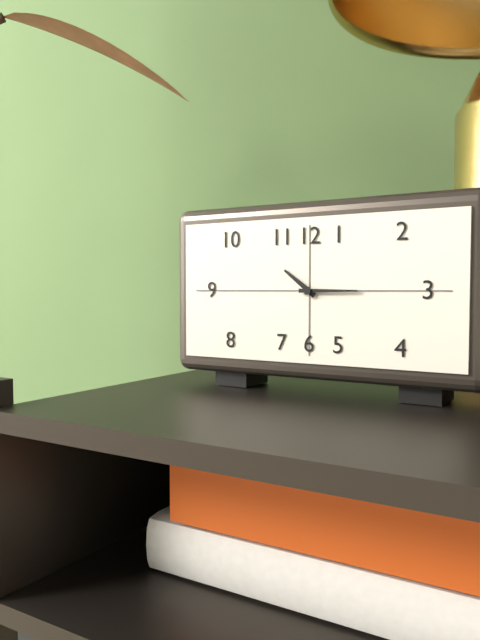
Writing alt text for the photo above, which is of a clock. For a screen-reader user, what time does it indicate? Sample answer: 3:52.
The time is 10:15
